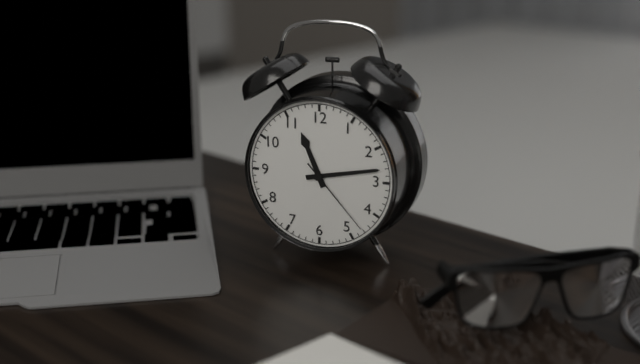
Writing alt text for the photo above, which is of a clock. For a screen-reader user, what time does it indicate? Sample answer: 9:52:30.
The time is 11:13:23
